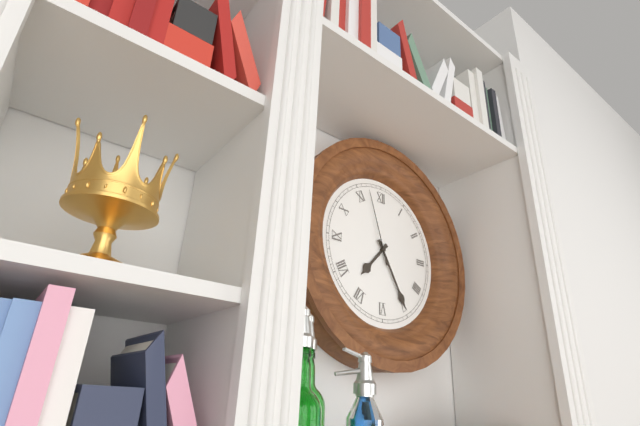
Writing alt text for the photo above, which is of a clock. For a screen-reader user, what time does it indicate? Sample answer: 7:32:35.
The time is 7:25:57
